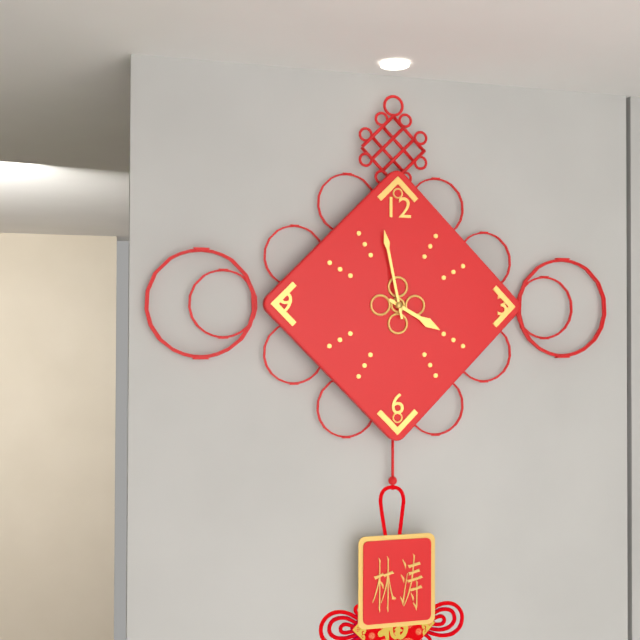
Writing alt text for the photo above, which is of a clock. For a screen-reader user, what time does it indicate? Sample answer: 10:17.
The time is 3:58
